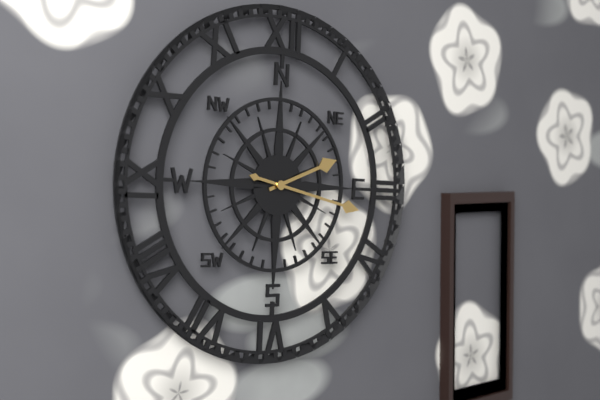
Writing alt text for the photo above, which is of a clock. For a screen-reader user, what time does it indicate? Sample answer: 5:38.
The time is 2:17
